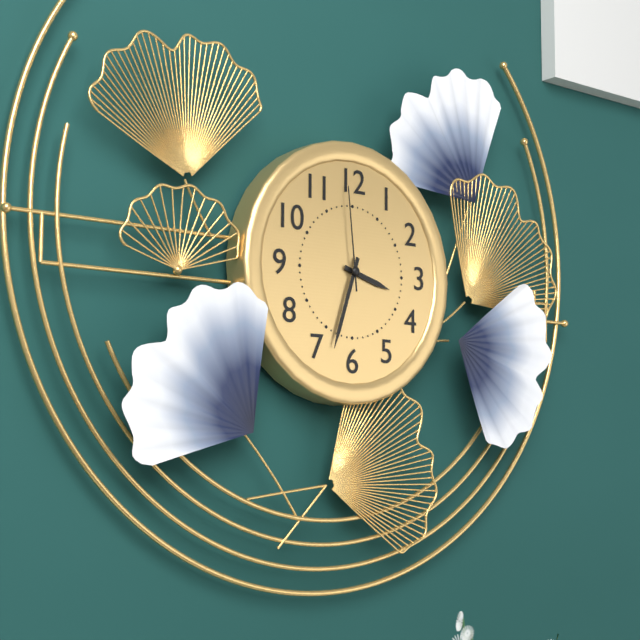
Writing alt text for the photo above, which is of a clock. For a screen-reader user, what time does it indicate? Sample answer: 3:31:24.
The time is 3:33:59
